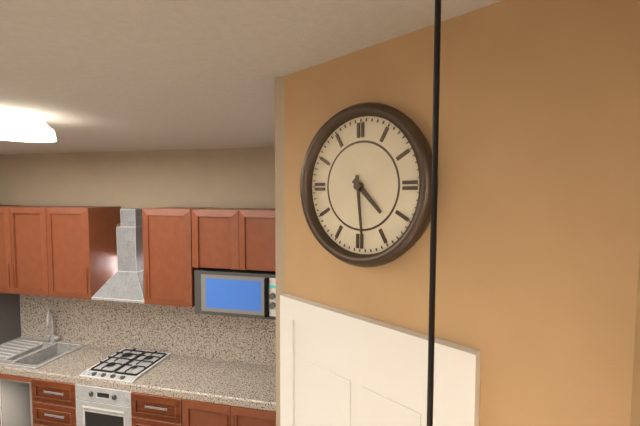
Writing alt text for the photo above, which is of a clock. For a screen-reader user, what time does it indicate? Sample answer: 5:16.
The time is 4:29
